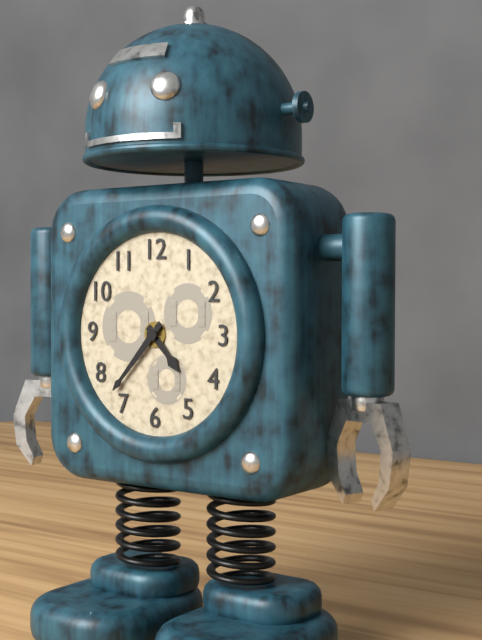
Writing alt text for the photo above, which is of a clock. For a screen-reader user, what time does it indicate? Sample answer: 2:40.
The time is 4:37
